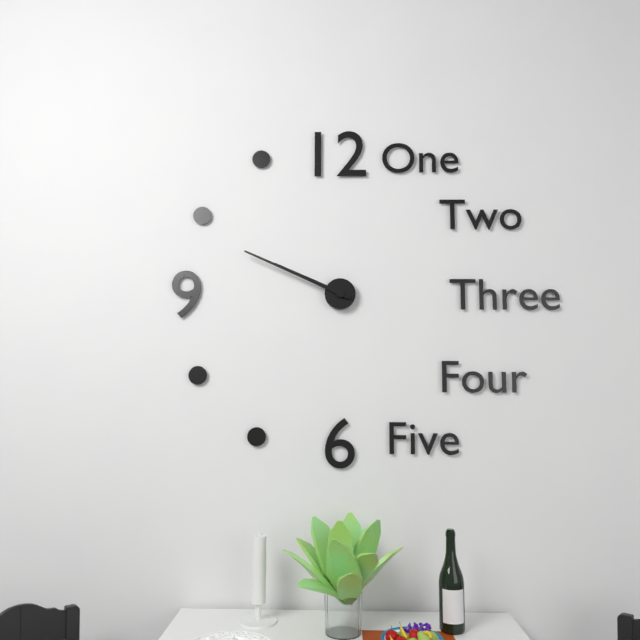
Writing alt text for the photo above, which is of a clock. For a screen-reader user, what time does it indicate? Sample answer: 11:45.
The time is 9:49
